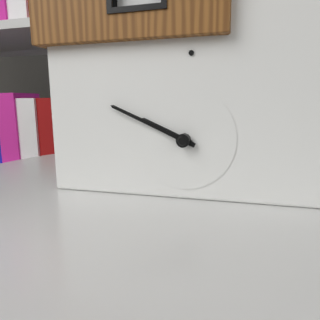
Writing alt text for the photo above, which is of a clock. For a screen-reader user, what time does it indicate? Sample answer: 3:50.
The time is 9:49
